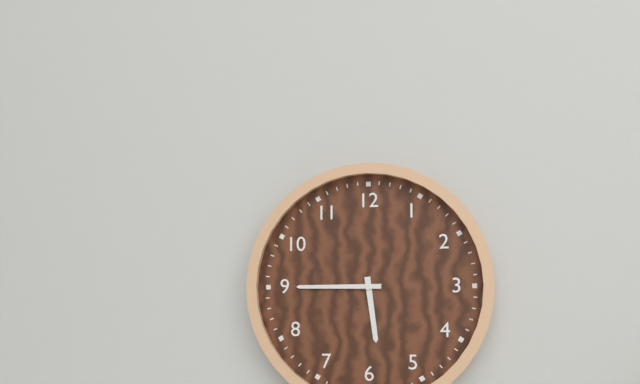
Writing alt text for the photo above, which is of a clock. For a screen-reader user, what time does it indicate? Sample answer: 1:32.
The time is 5:45
